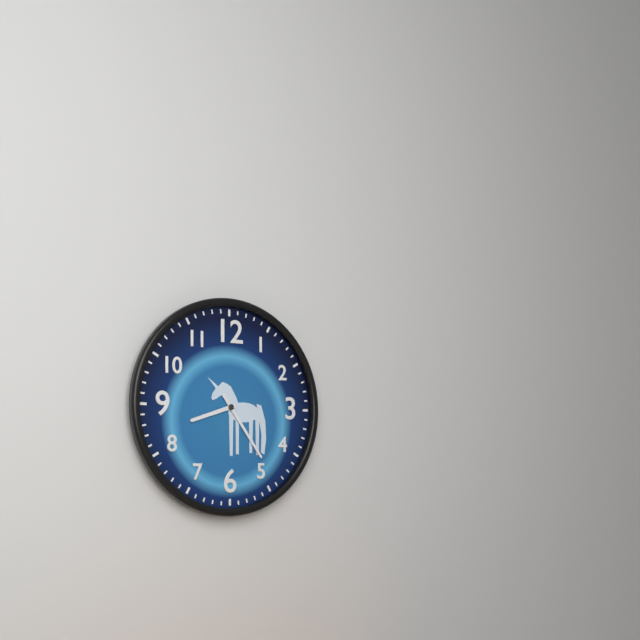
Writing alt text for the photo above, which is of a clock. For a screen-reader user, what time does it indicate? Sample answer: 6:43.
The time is 8:24
